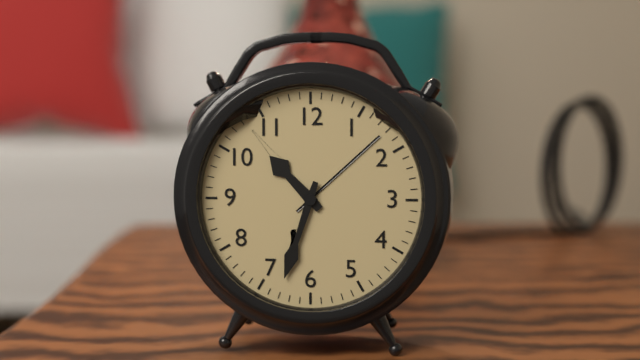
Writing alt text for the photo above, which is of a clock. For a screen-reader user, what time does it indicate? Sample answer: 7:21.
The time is 10:33
